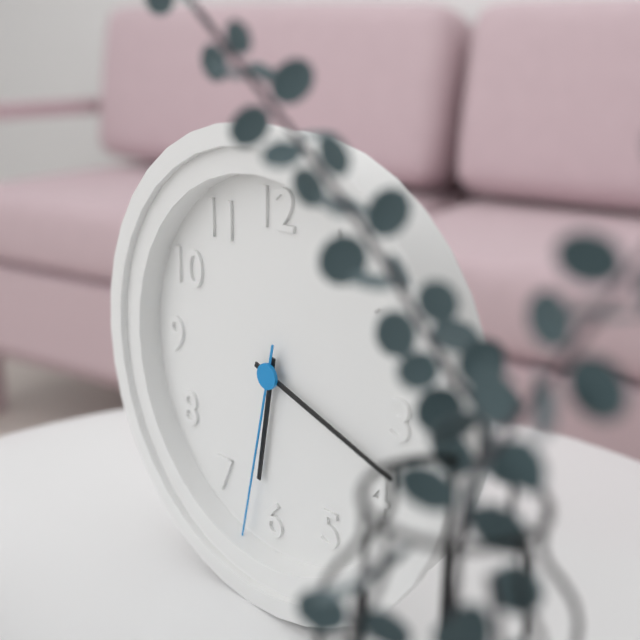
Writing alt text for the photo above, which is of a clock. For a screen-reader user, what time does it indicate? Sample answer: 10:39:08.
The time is 6:18:32
